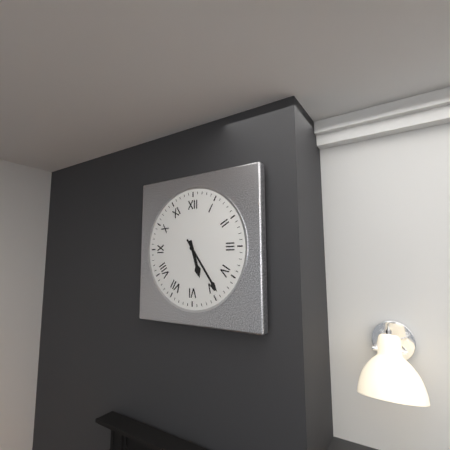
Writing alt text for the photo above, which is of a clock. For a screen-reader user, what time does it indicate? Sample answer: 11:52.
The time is 5:24
